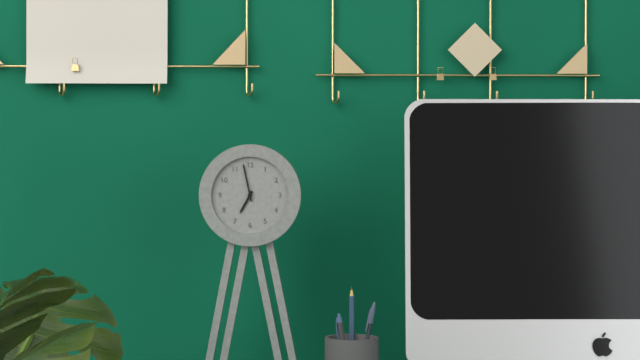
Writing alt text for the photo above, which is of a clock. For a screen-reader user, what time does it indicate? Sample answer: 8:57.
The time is 6:58
